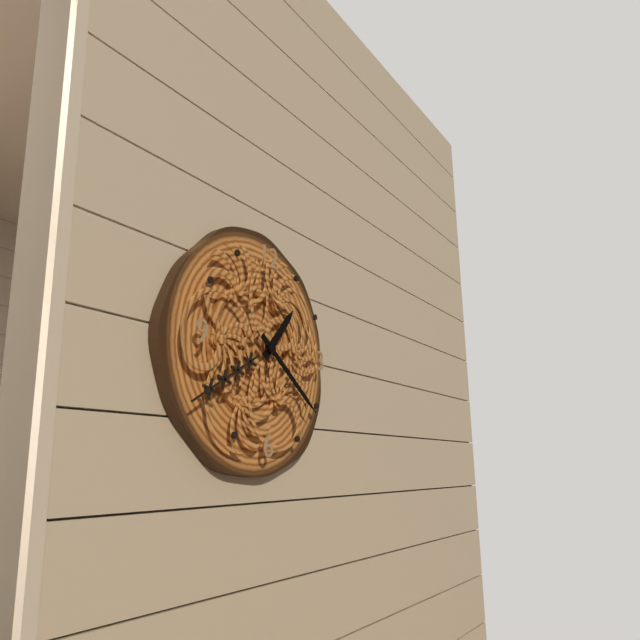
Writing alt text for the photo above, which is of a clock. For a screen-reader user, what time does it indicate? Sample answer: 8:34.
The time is 1:21
